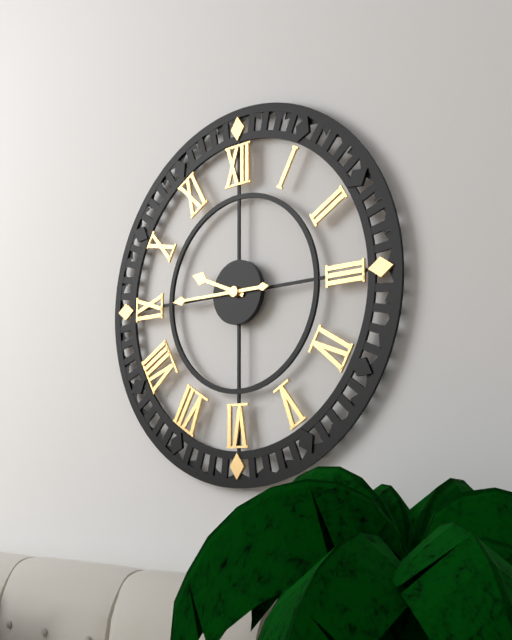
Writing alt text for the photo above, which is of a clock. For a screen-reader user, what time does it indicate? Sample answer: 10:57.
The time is 9:45
